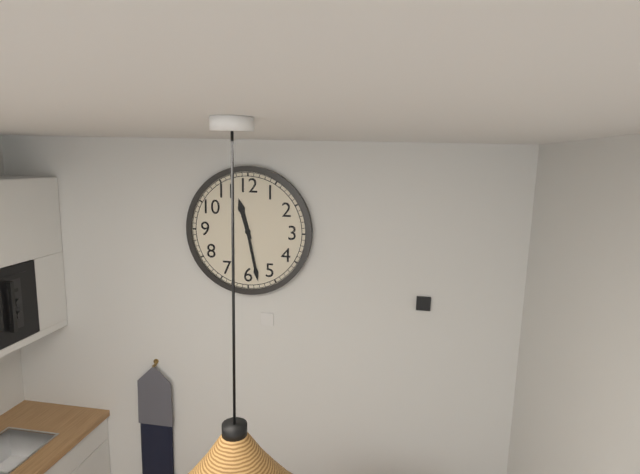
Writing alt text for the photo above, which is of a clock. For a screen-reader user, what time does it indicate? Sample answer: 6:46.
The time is 11:28
